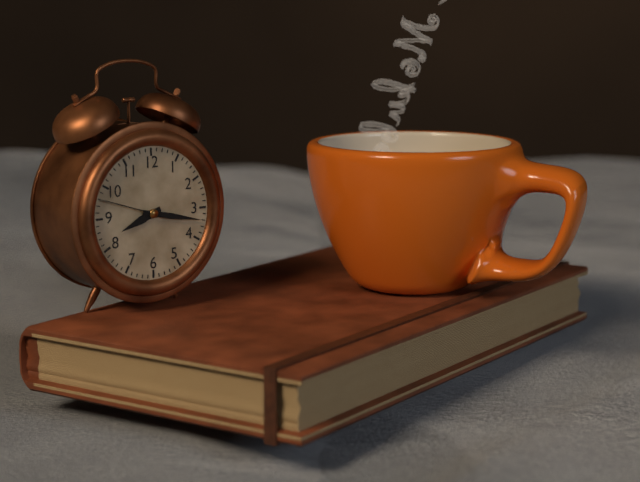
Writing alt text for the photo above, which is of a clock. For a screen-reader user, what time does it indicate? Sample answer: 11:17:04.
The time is 8:17:48
